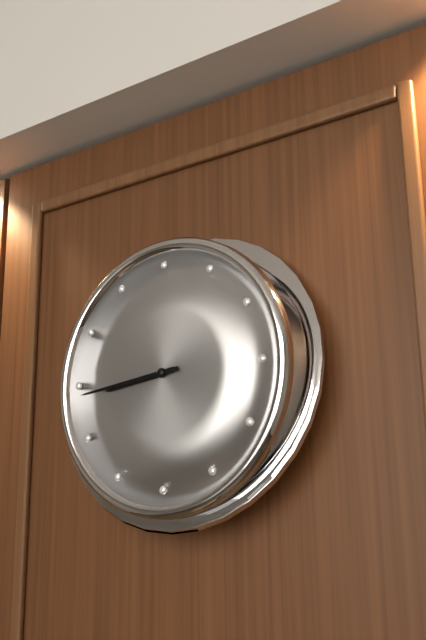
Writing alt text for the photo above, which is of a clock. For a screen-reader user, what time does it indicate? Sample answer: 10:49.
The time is 8:44
